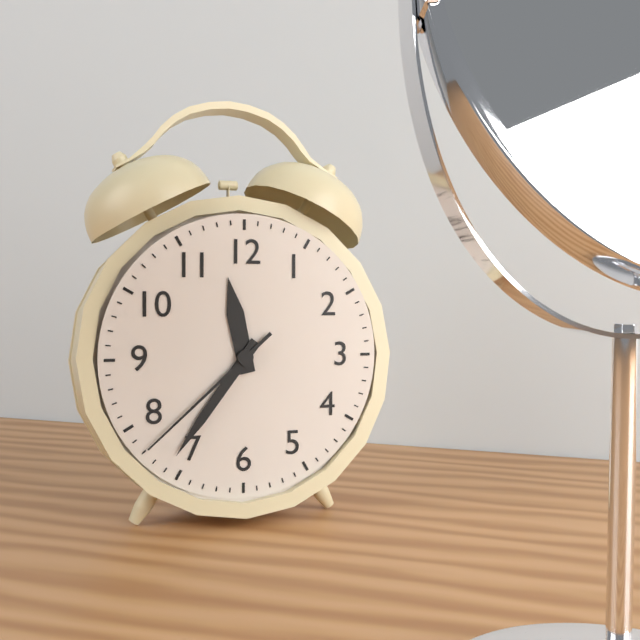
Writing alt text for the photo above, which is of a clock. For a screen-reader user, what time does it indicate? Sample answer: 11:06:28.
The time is 11:36:38
